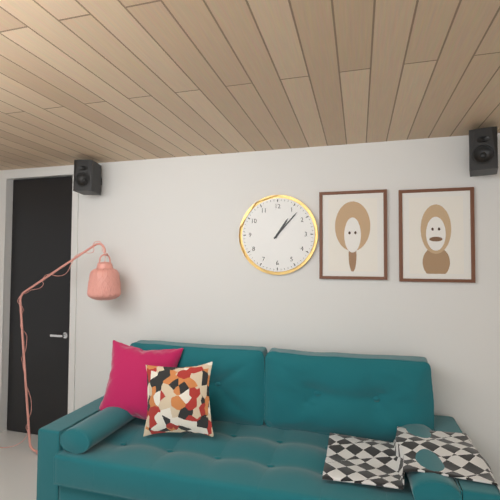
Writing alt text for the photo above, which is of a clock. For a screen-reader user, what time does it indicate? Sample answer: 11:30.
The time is 1:07
